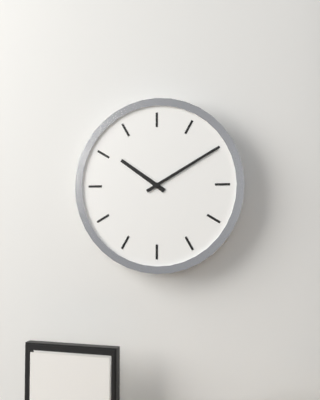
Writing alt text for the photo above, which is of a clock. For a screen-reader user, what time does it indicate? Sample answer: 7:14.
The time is 10:10
